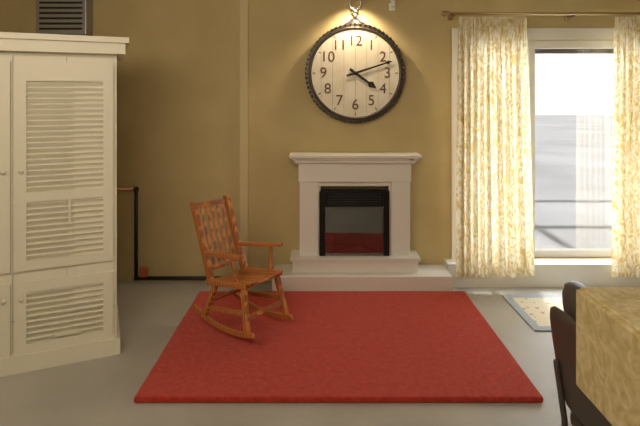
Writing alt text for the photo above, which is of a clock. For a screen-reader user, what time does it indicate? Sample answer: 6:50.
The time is 4:12
